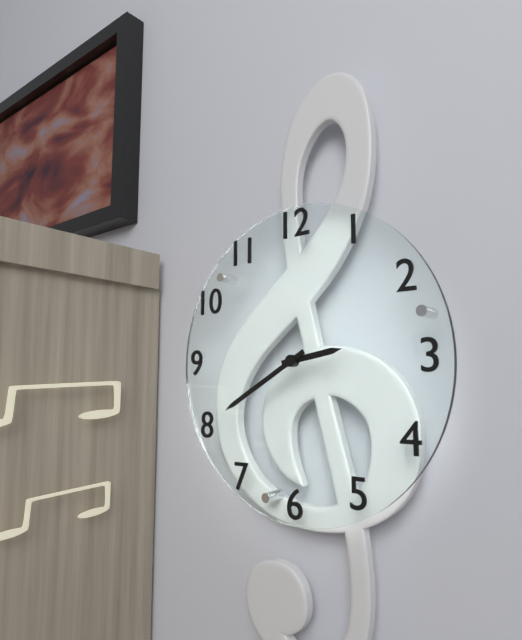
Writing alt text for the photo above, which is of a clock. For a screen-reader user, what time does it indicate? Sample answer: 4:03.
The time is 2:40
